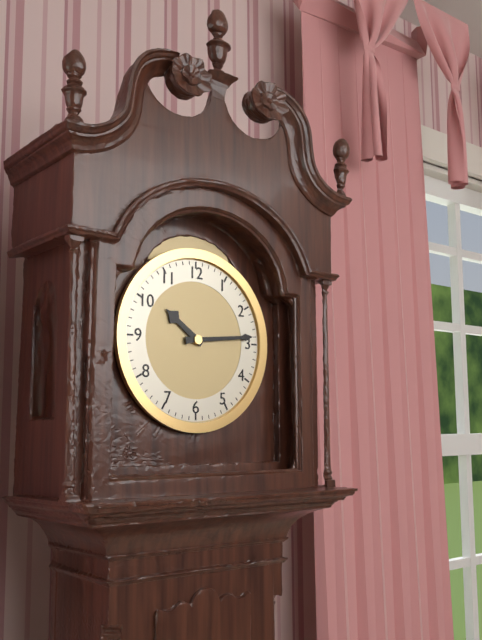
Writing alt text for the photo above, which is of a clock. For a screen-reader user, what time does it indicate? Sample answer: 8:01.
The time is 10:14
